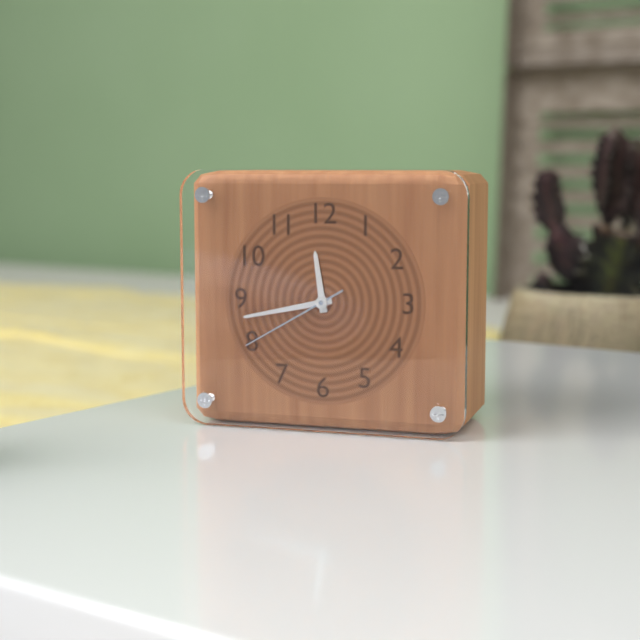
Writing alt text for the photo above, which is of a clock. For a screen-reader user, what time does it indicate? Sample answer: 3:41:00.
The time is 11:43:40
